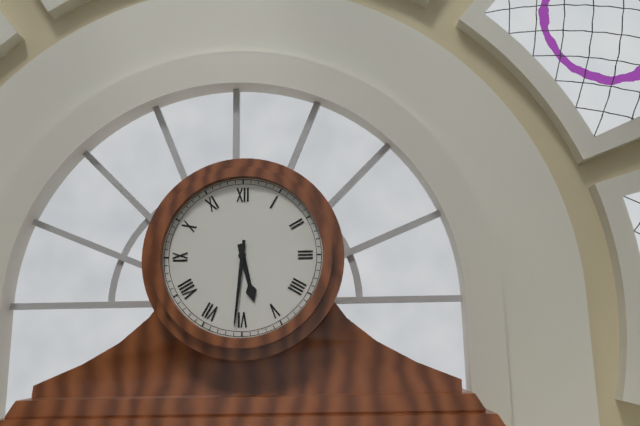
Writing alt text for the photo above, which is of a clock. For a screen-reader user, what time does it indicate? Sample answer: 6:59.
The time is 5:31
